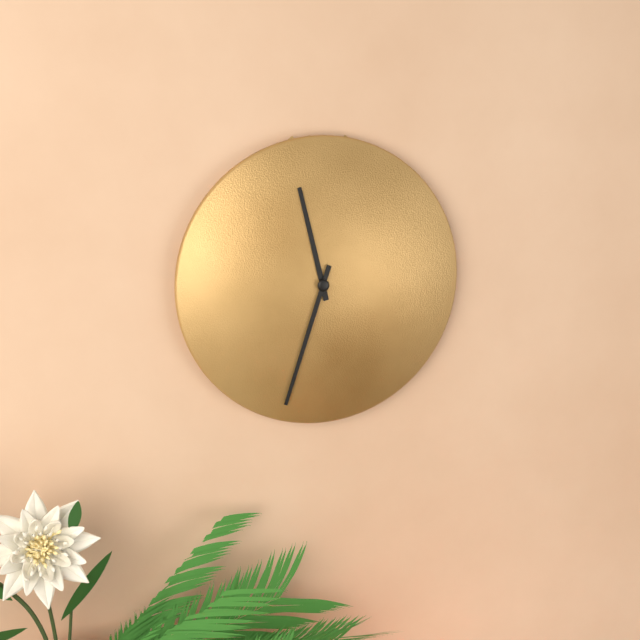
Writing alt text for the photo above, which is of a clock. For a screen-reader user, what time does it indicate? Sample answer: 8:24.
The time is 11:33
